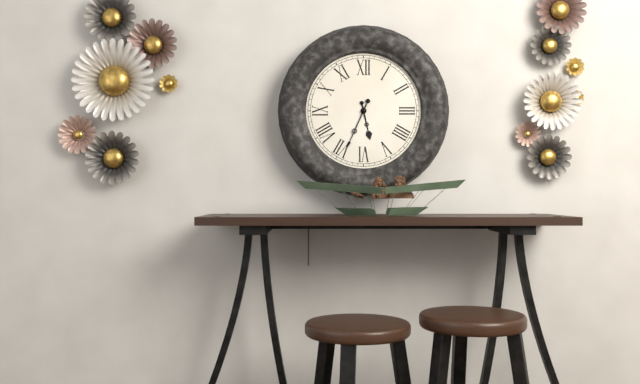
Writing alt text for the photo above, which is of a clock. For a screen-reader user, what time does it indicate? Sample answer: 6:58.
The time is 5:34
